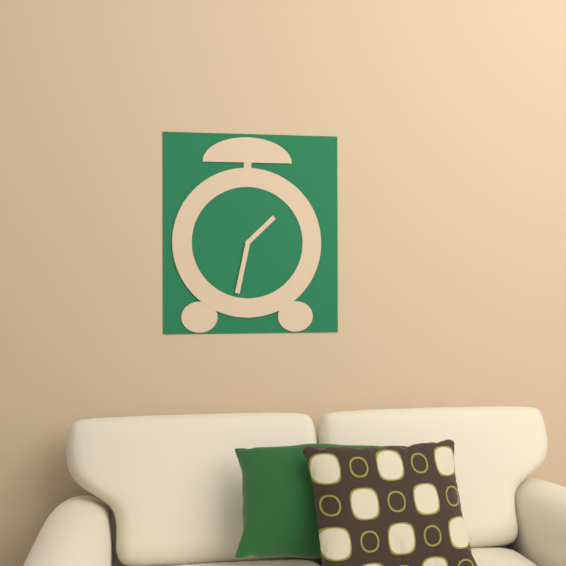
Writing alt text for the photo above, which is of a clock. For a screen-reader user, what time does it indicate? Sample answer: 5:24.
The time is 1:32
